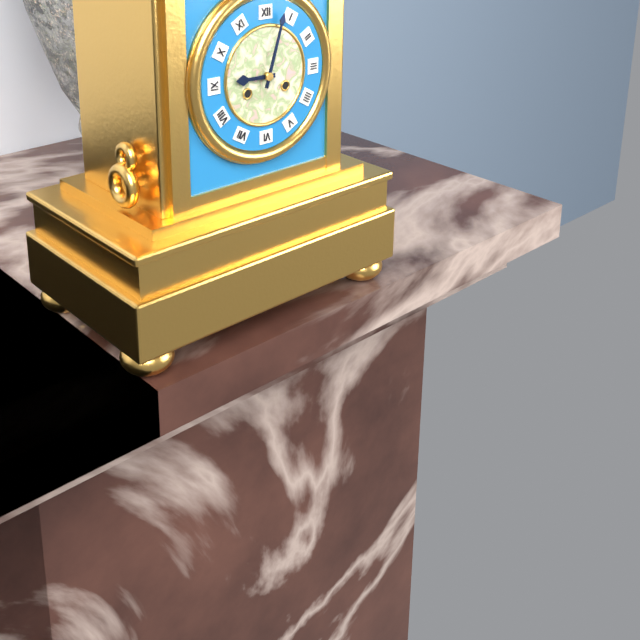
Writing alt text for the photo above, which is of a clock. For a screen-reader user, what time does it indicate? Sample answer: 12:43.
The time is 9:03
